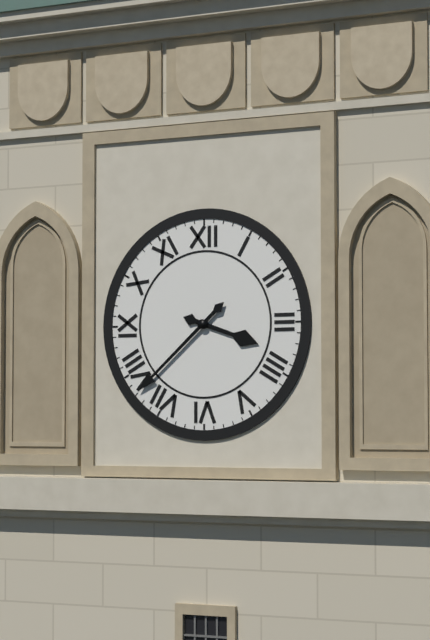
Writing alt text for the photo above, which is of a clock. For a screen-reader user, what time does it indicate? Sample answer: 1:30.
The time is 3:38
